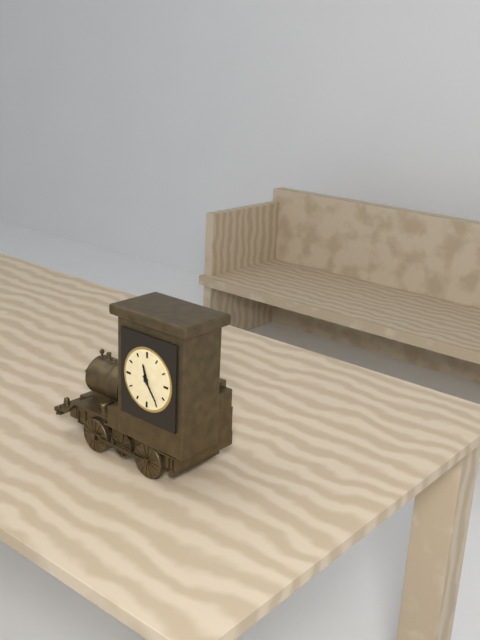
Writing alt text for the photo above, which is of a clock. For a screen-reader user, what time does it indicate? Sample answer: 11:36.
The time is 11:24
